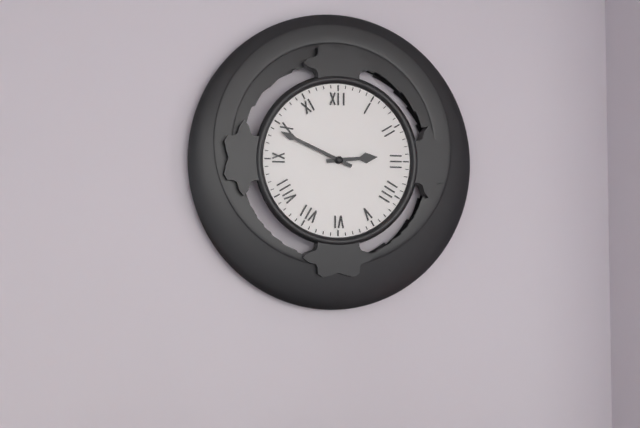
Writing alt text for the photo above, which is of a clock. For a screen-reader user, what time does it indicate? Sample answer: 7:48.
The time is 2:49
